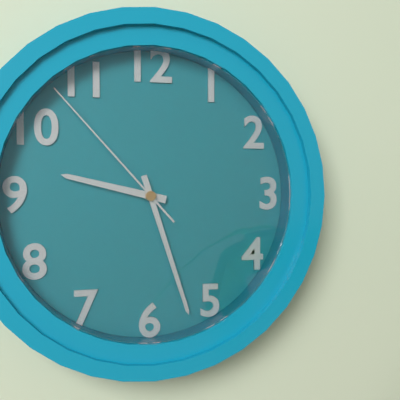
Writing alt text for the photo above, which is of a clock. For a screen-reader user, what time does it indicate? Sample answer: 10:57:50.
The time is 9:27:53
